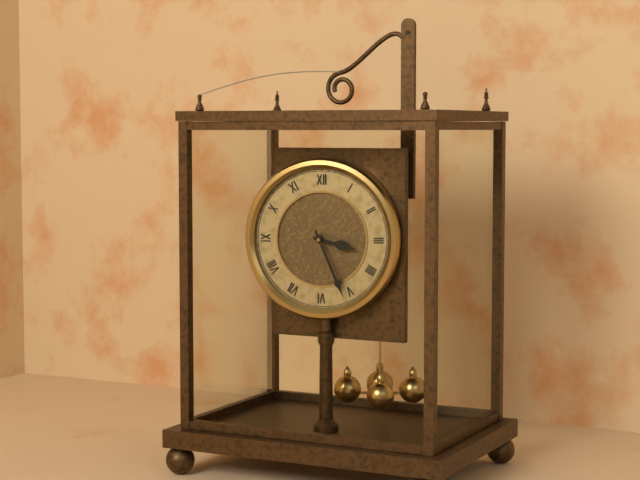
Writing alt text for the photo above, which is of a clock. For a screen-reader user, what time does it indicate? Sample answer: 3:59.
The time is 3:26
